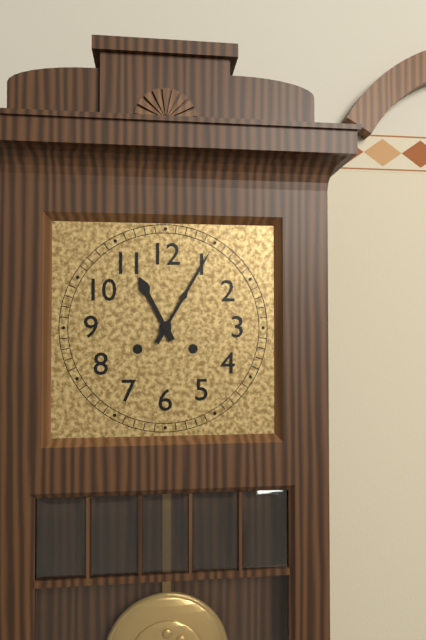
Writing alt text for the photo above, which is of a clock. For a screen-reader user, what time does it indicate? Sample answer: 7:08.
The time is 11:05
